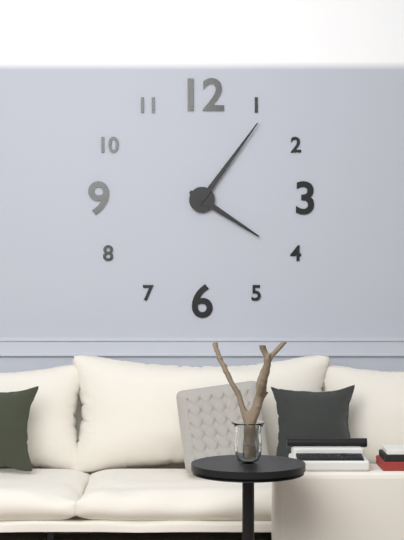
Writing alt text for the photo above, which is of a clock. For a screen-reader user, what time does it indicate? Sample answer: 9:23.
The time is 4:06
